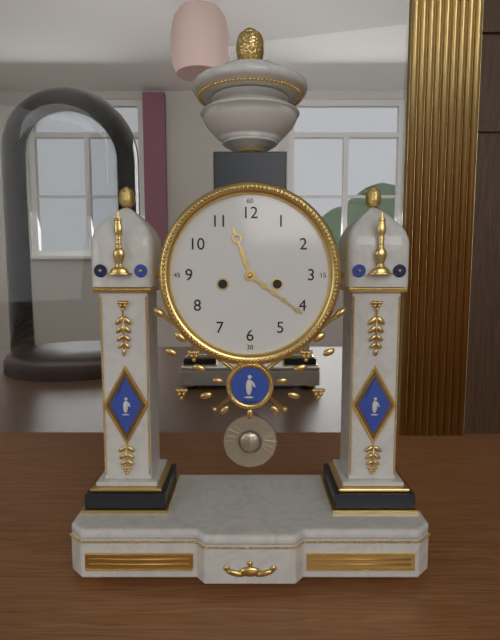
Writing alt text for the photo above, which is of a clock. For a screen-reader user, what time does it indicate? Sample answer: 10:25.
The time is 11:21
